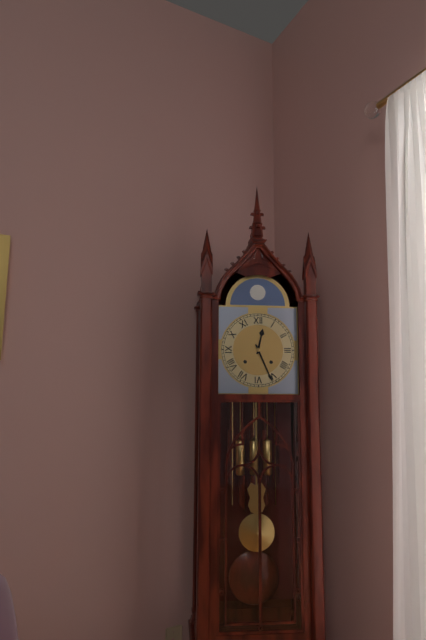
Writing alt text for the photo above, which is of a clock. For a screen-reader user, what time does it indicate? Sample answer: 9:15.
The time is 12:26
